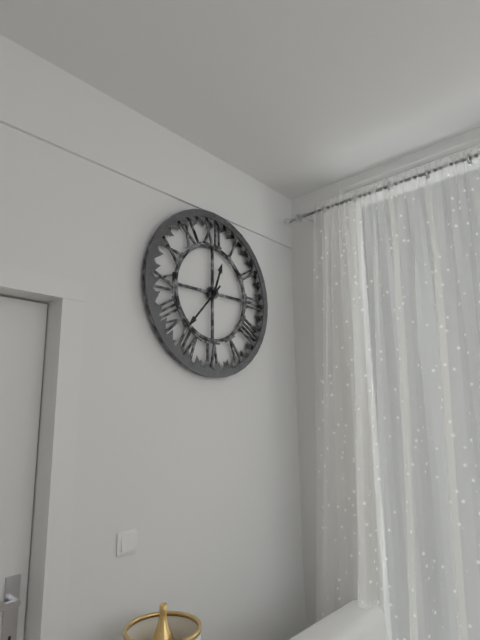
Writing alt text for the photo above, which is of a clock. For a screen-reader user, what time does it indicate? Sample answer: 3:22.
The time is 12:37
